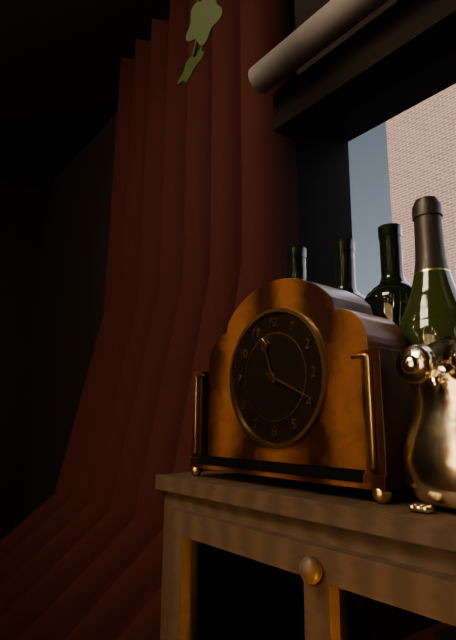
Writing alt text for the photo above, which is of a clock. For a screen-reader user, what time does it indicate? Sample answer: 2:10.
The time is 11:19
